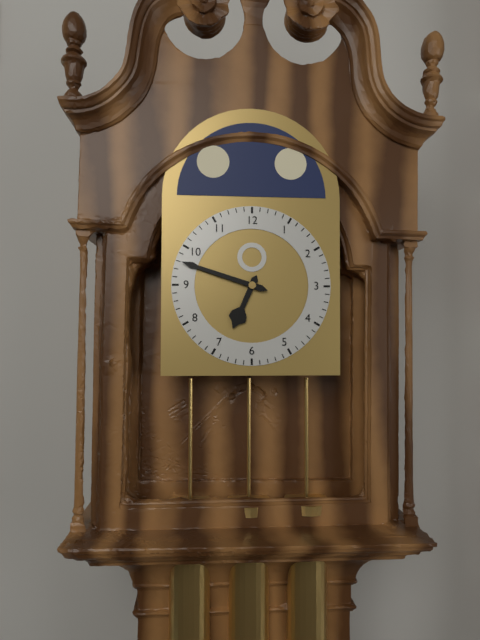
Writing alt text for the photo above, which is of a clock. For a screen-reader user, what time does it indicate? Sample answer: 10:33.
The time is 6:48
